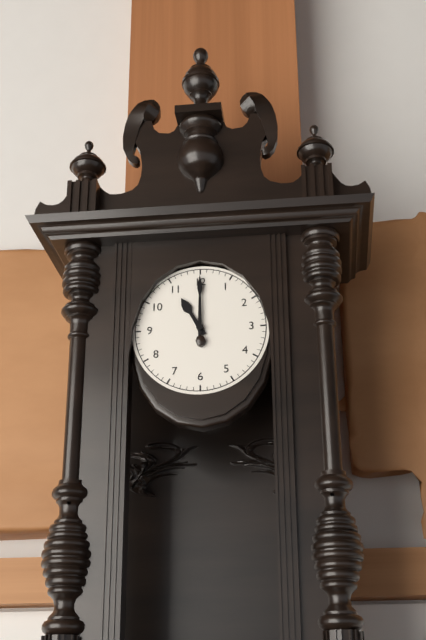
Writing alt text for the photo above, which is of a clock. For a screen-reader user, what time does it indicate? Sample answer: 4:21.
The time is 11:00
